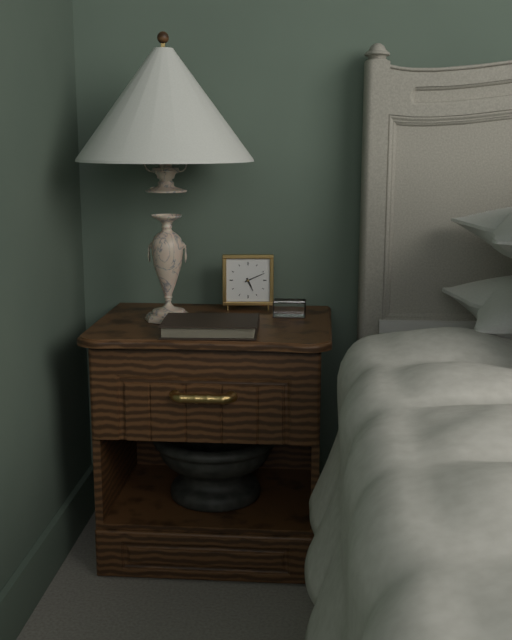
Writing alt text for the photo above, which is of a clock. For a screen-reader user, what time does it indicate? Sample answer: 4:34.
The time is 5:11
